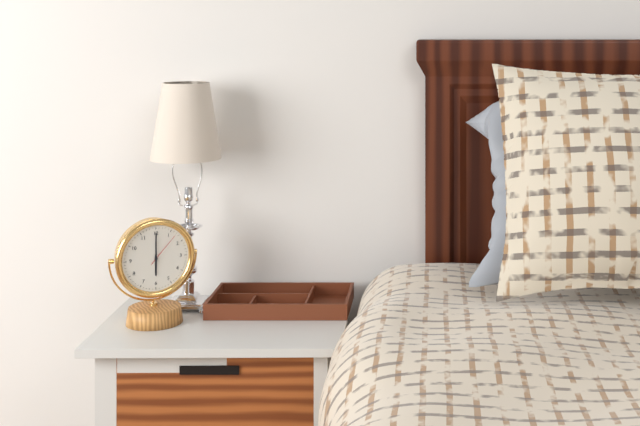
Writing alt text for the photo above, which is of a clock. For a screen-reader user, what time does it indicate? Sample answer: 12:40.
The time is 6:00
